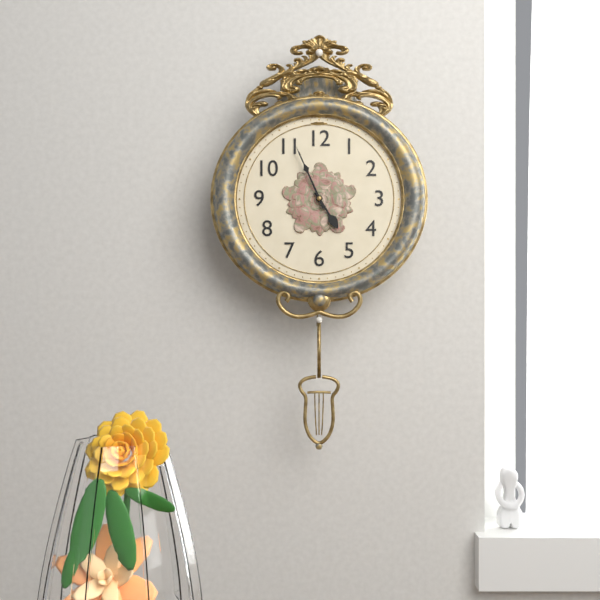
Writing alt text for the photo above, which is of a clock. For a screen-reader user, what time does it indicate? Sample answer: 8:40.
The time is 4:56
